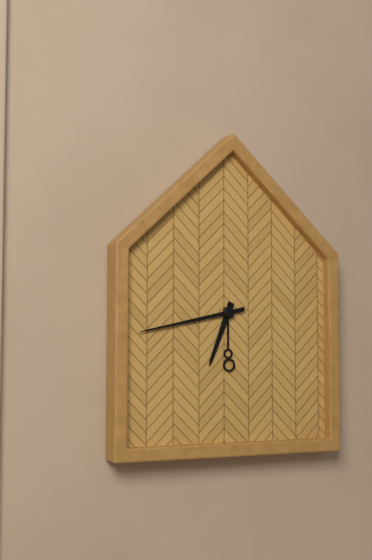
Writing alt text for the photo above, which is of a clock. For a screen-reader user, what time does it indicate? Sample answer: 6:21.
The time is 6:43
